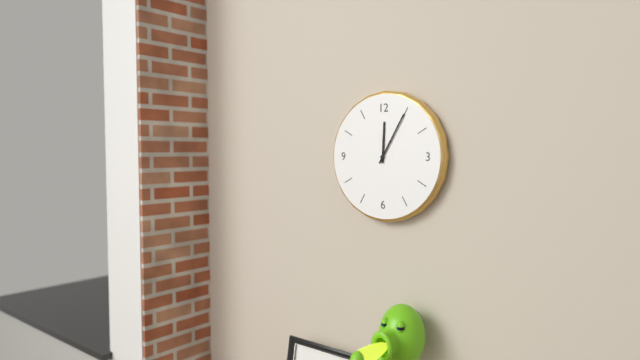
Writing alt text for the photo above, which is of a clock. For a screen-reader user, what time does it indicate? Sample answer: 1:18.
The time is 12:05
